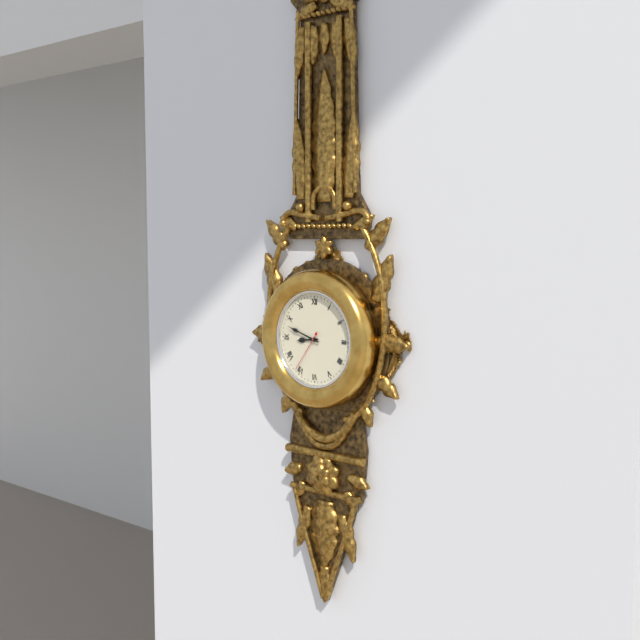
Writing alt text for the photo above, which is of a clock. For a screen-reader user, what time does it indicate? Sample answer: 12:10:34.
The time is 8:48:36
